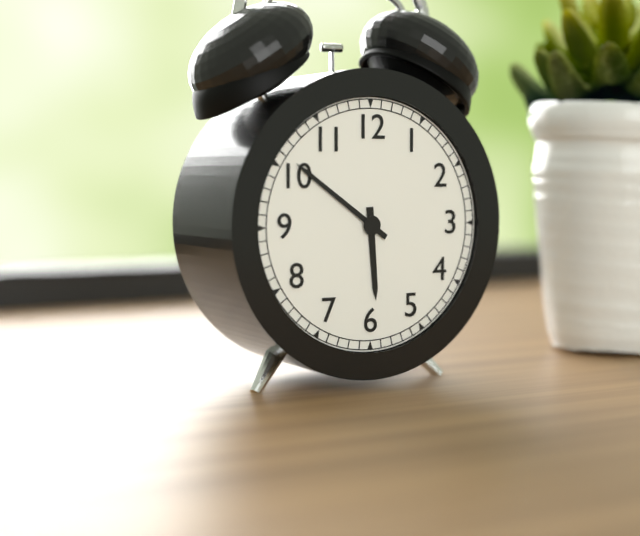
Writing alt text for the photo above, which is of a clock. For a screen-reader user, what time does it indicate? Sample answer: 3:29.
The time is 5:51
